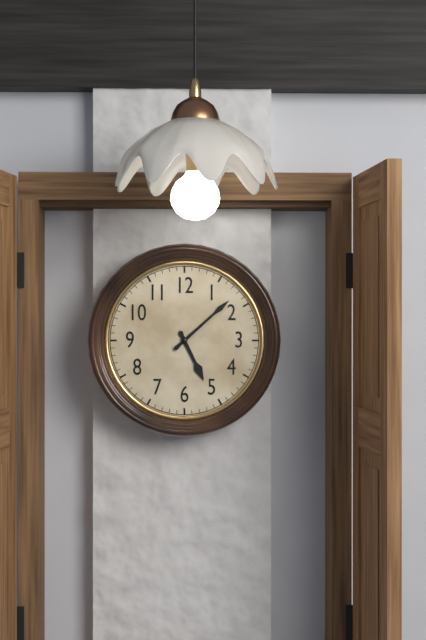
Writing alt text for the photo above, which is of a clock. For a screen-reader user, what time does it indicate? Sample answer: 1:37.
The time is 5:08
